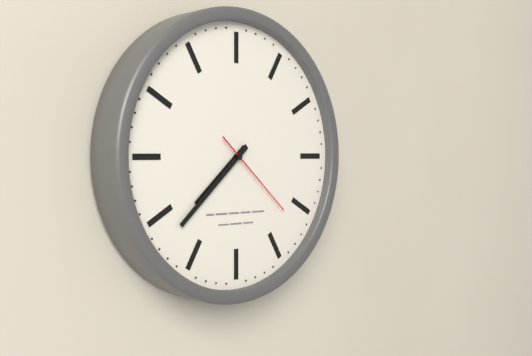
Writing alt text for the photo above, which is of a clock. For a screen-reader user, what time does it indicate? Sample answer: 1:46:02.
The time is 7:38:22
